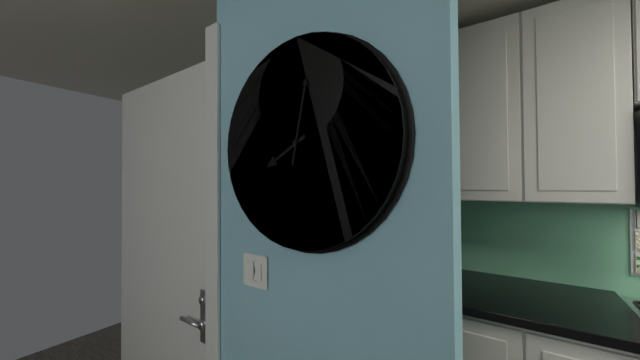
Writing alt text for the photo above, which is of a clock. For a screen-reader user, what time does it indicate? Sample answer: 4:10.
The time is 8:02
